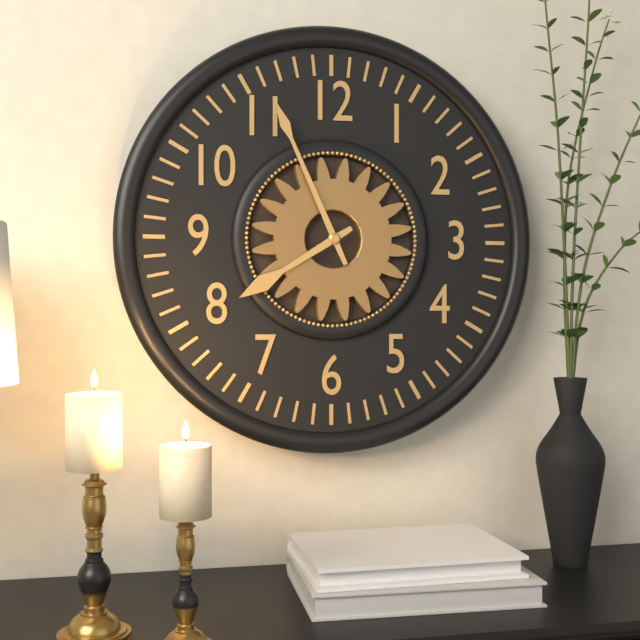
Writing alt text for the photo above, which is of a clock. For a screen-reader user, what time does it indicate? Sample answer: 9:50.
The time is 7:56
